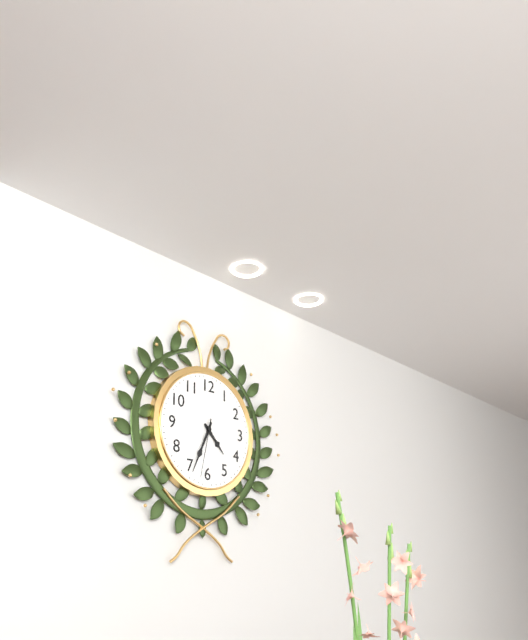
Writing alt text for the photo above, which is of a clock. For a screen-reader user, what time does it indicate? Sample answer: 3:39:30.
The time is 4:34:32
